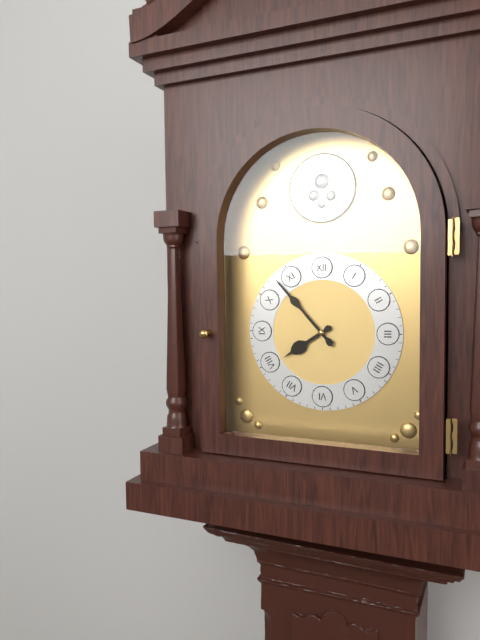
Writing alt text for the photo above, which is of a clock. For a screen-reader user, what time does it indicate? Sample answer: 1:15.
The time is 7:53
